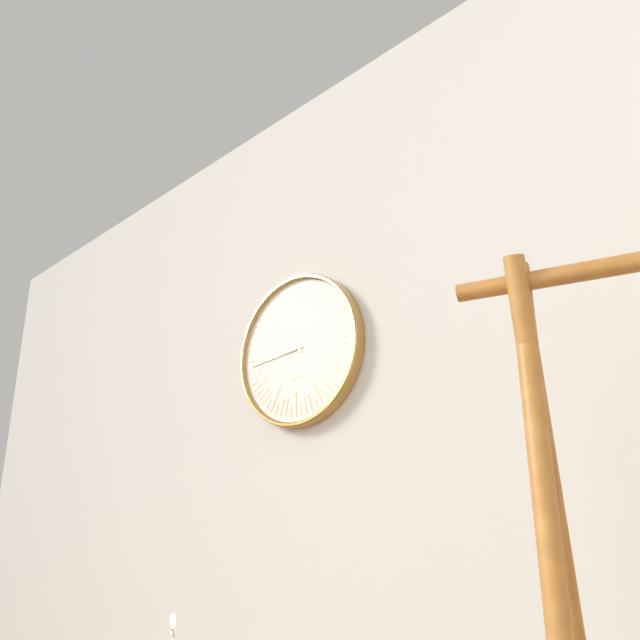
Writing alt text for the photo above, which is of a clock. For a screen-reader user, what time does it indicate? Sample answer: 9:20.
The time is 9:44
